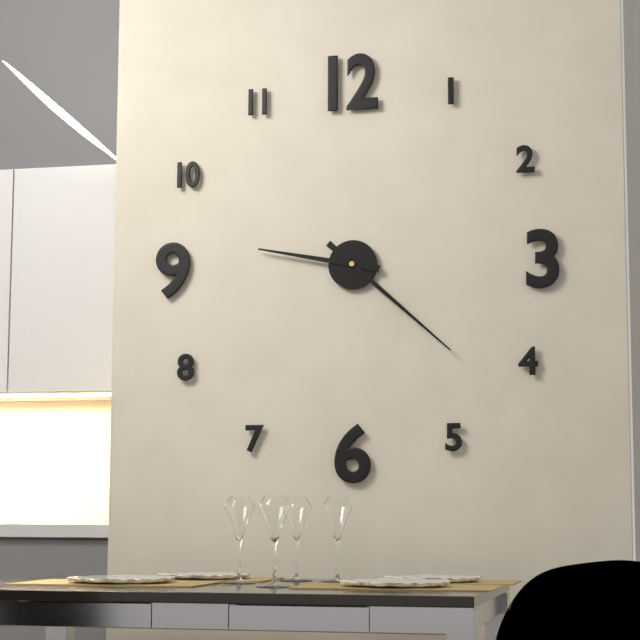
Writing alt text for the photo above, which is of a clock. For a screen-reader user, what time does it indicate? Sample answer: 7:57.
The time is 9:22
